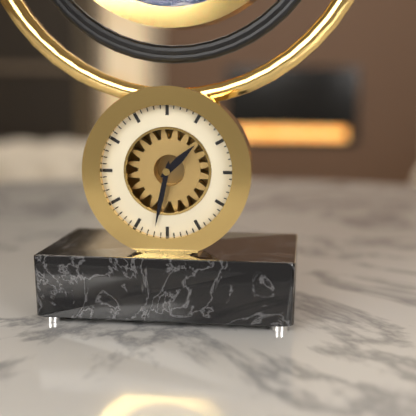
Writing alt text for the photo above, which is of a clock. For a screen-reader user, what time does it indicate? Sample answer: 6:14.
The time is 1:32
